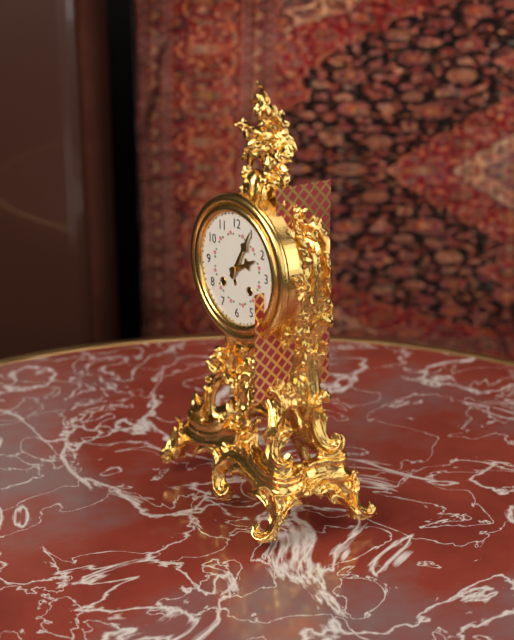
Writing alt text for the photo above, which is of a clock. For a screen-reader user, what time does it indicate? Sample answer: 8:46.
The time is 2:05
